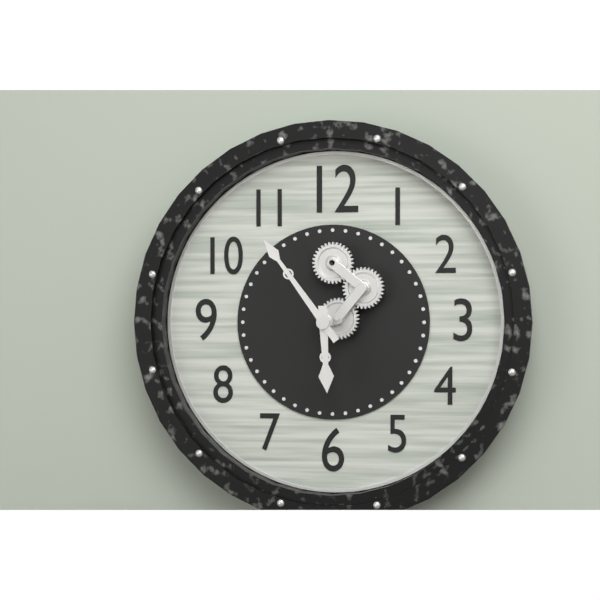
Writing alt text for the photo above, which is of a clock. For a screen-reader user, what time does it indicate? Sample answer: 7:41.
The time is 5:54
